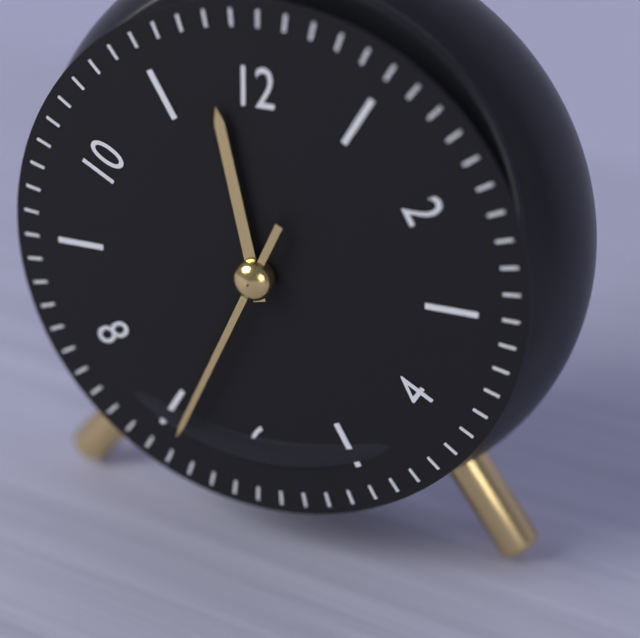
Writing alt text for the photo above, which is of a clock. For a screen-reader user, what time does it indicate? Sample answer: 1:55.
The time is 11:34
